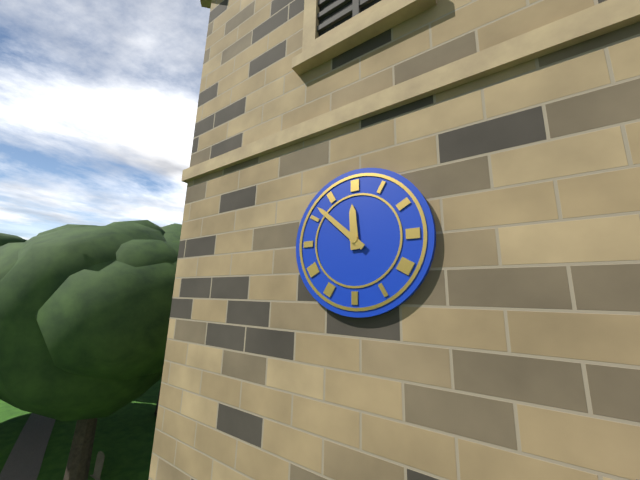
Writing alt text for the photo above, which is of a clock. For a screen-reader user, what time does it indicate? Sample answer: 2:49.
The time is 11:52
